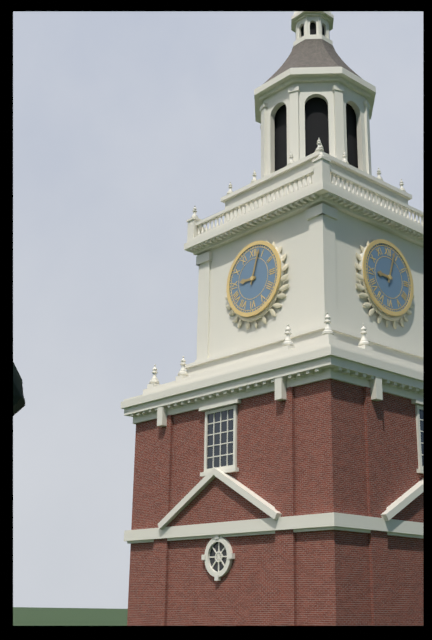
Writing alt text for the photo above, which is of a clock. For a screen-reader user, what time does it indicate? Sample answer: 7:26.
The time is 9:03
